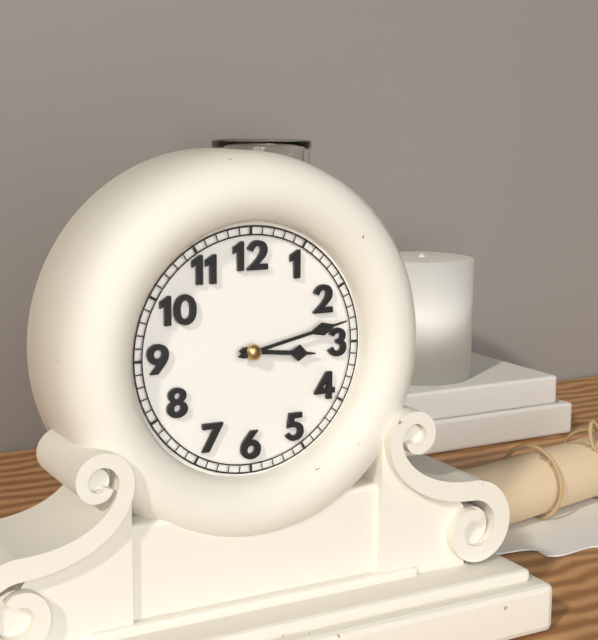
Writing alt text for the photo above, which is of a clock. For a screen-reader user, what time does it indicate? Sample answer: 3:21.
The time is 3:13
